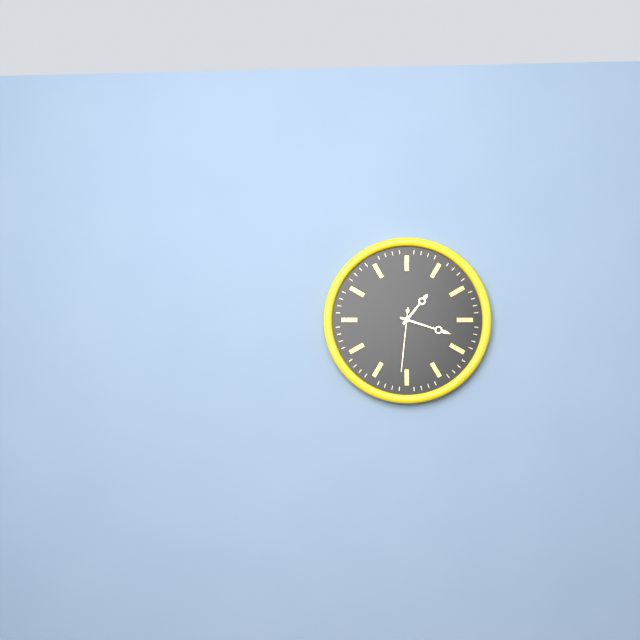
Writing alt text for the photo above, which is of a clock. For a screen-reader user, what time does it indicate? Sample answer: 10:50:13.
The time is 1:18:31
